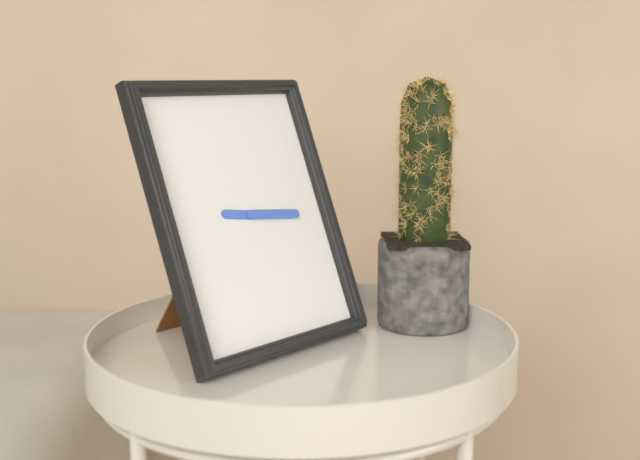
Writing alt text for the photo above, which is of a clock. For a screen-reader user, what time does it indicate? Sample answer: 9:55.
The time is 9:16
